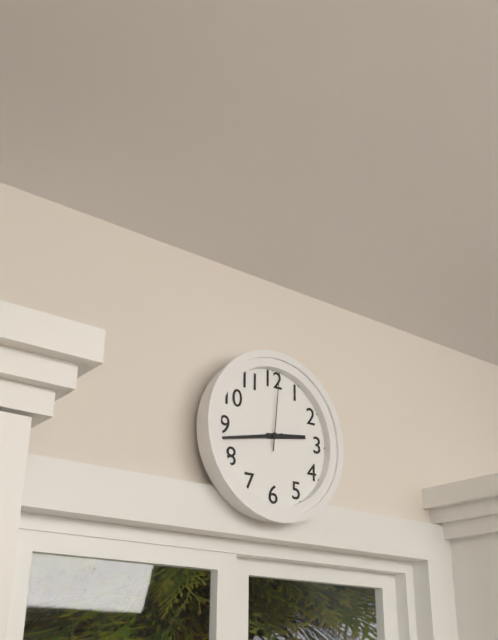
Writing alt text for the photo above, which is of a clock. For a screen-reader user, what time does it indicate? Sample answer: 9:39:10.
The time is 2:43:01
